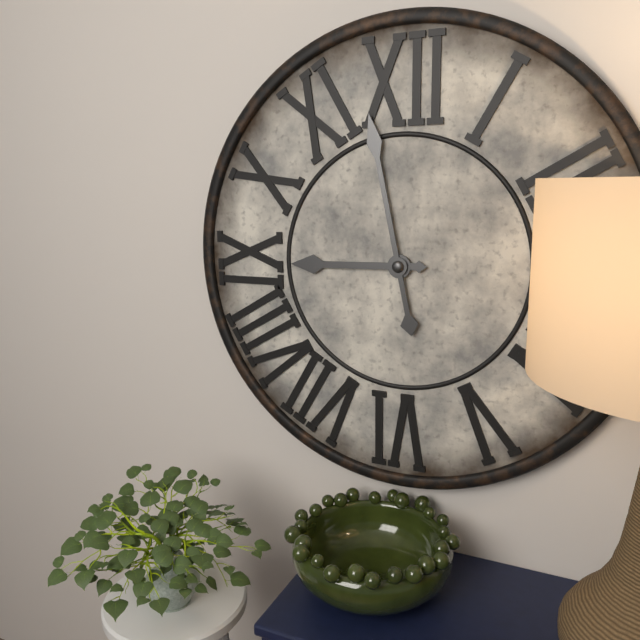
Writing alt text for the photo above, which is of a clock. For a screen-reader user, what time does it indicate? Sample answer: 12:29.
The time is 8:58
